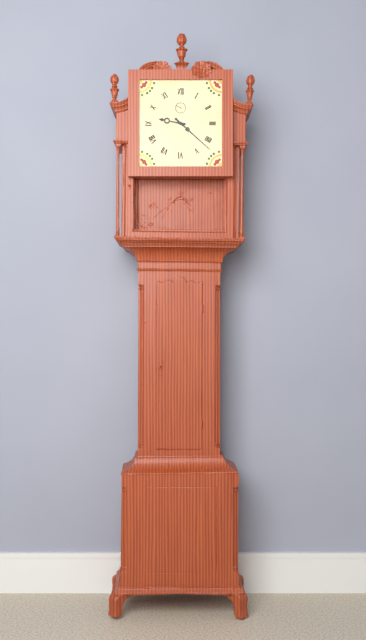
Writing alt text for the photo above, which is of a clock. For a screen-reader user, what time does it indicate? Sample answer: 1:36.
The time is 9:22
